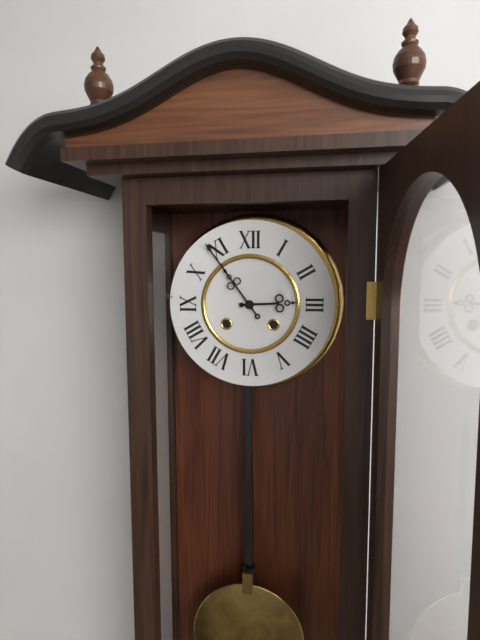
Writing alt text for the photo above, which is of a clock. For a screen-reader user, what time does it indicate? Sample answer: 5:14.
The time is 2:54
